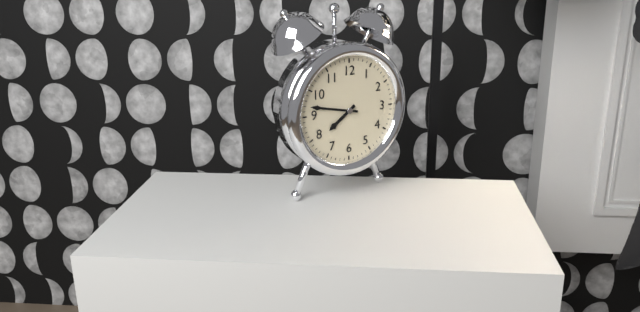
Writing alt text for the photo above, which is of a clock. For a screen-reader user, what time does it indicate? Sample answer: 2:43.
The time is 7:47
